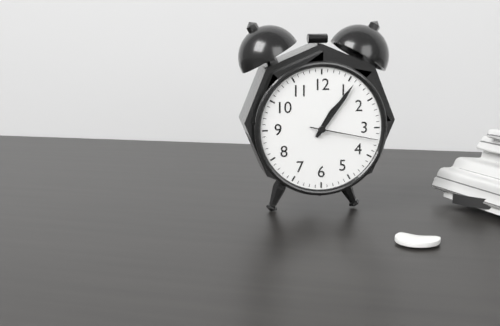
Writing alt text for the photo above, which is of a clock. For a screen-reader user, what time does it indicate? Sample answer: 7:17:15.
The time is 1:06:17
